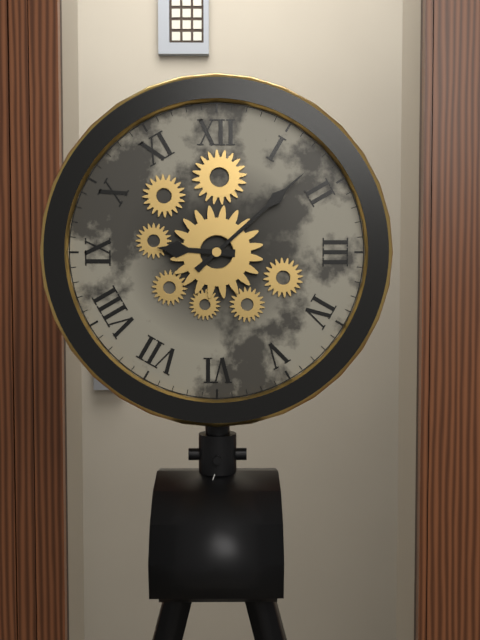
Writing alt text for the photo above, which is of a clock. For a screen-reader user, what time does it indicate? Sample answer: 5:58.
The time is 9:08
